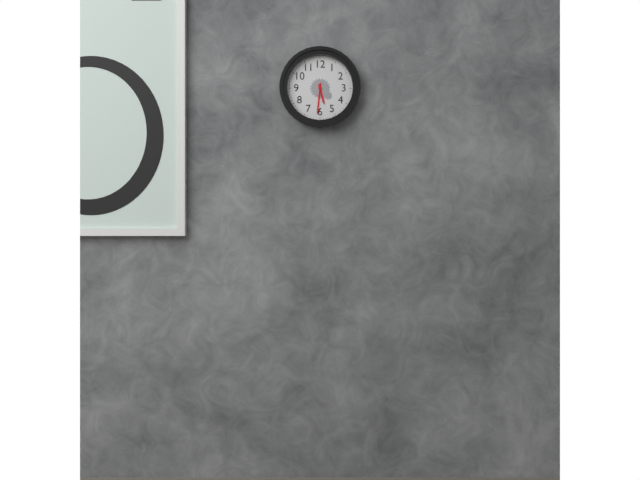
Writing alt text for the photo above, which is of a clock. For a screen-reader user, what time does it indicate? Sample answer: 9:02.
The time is 5:31
